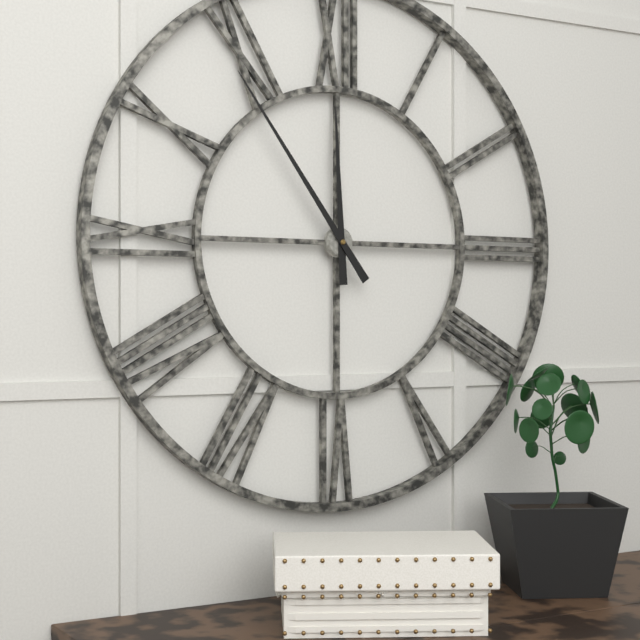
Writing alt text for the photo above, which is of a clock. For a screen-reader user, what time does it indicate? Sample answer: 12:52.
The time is 11:54
